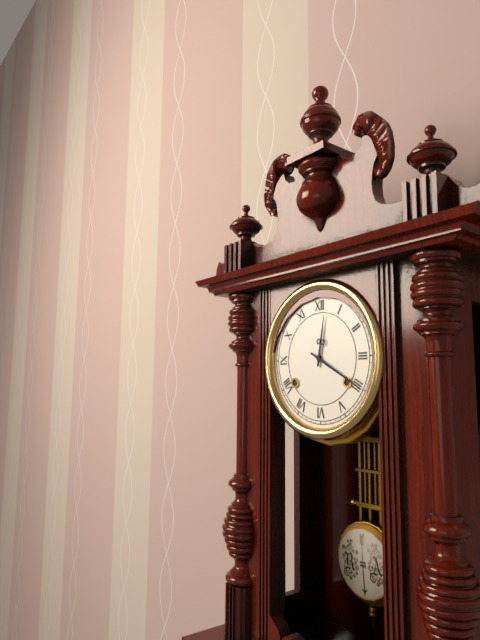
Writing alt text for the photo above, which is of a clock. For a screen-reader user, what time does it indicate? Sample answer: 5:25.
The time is 12:20
